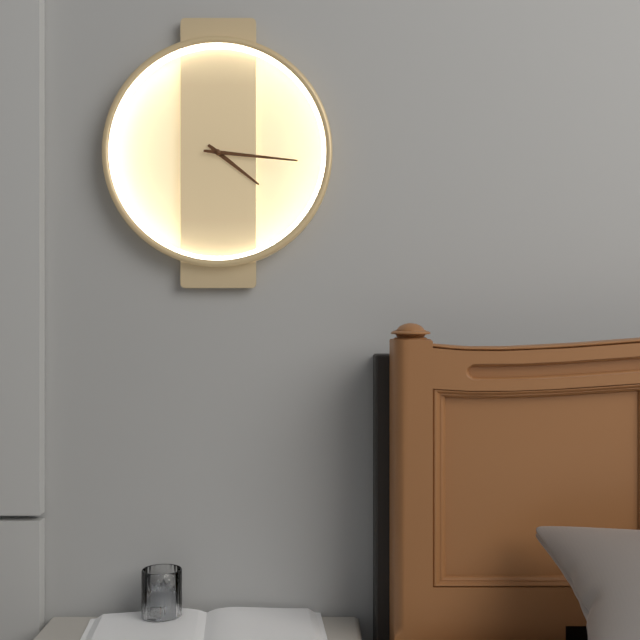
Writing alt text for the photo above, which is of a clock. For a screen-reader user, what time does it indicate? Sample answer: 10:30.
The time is 4:16
